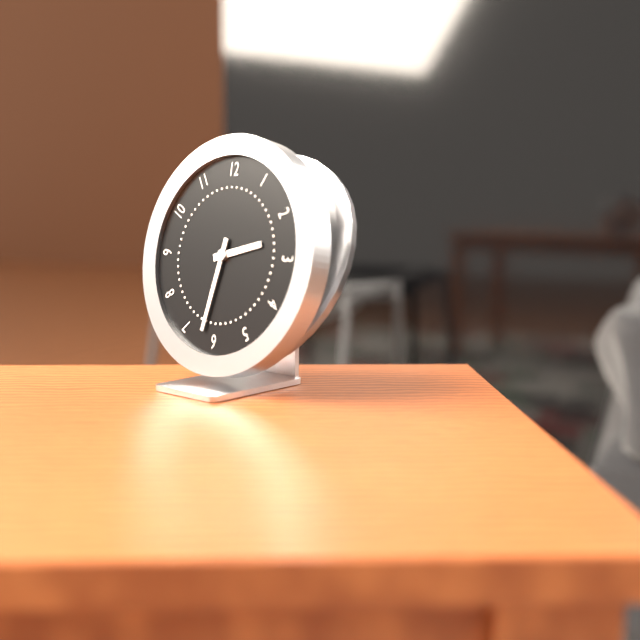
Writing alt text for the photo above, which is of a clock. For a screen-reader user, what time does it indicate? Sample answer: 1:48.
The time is 2:32
